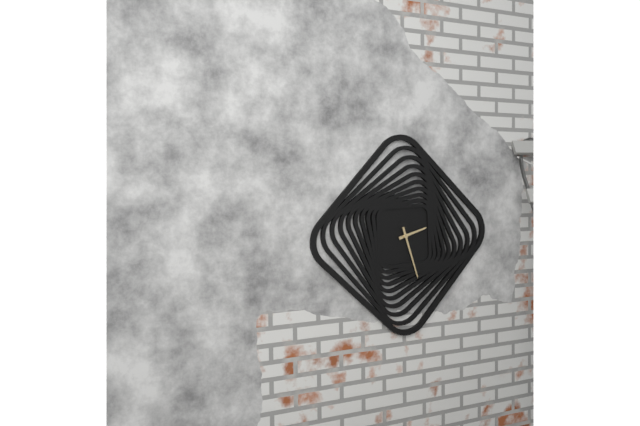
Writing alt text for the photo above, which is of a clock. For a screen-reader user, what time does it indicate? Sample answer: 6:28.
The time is 2:27
